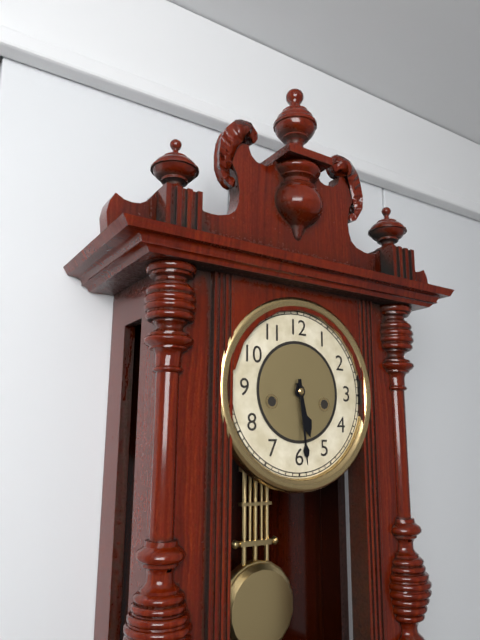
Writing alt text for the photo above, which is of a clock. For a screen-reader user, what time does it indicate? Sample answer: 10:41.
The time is 5:29
